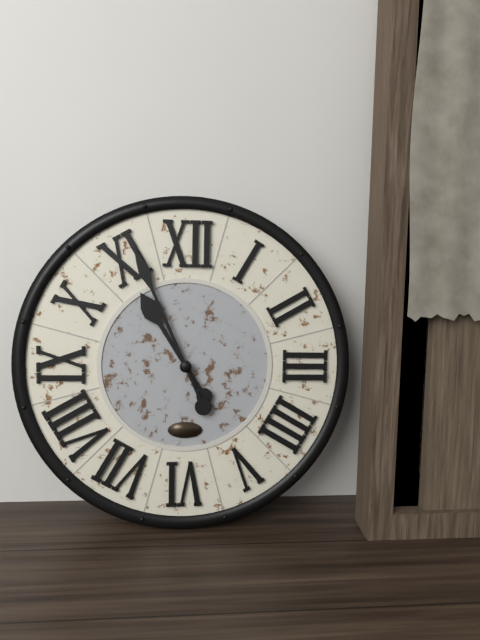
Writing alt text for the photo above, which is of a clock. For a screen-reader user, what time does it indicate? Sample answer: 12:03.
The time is 10:56
